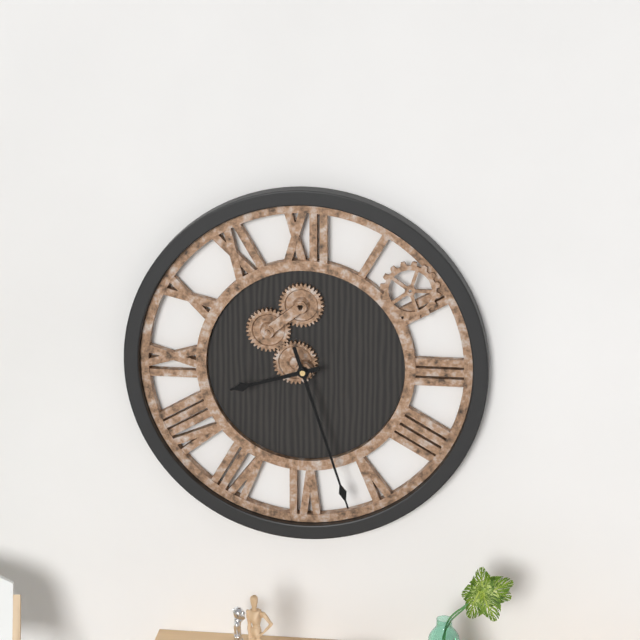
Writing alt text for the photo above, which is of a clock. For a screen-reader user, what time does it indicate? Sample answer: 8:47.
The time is 8:27
